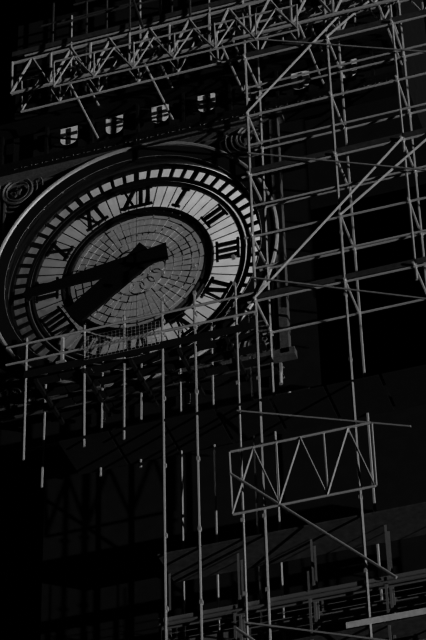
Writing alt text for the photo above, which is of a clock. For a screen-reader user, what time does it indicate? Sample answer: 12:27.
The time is 7:44
